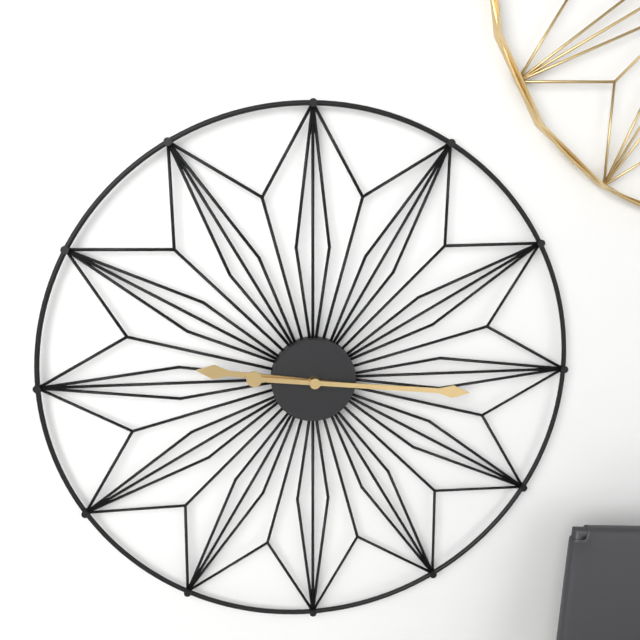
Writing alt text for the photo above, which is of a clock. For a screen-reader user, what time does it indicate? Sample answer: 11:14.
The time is 9:16
